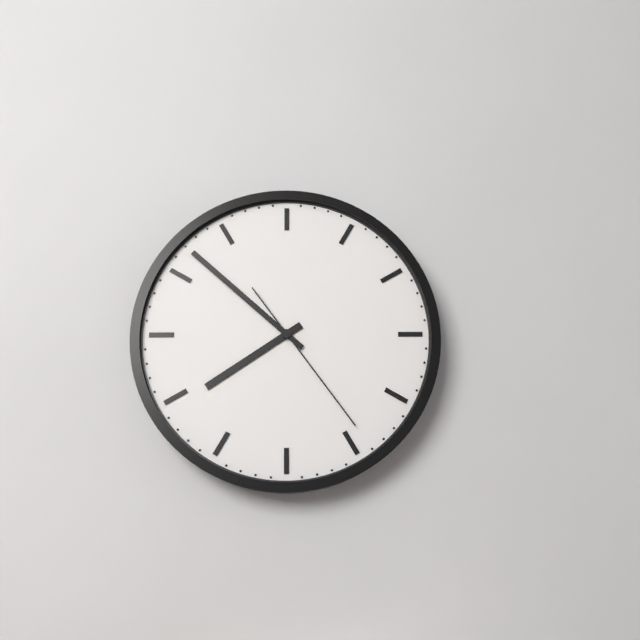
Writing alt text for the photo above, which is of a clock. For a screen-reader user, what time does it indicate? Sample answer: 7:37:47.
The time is 7:52:24
